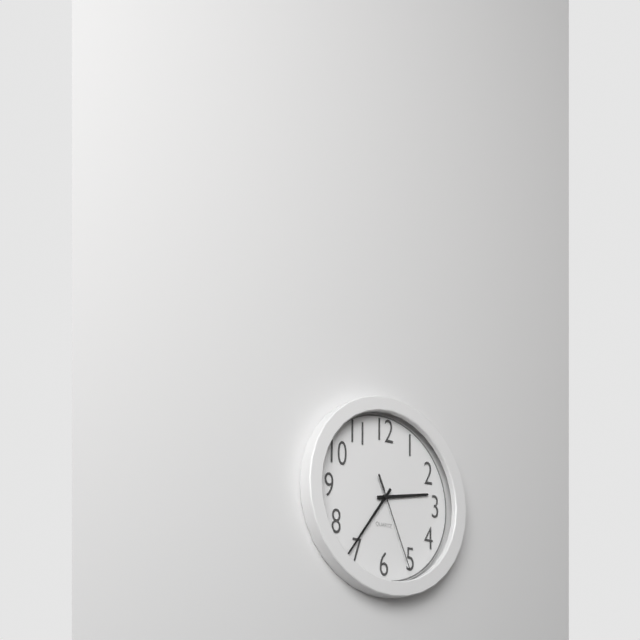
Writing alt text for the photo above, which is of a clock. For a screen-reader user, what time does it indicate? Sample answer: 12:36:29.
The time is 2:36:26
